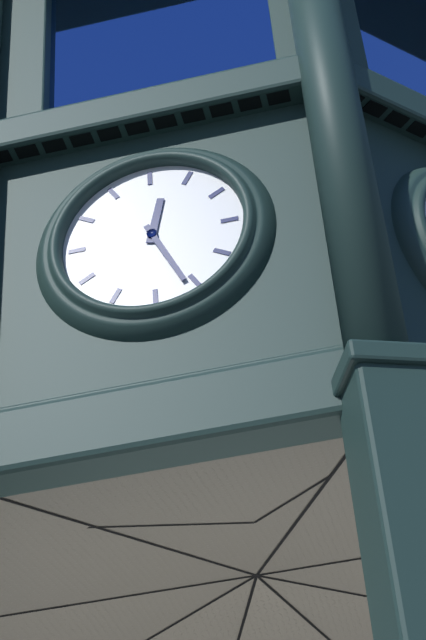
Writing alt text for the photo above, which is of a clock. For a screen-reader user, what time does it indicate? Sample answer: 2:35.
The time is 12:26
